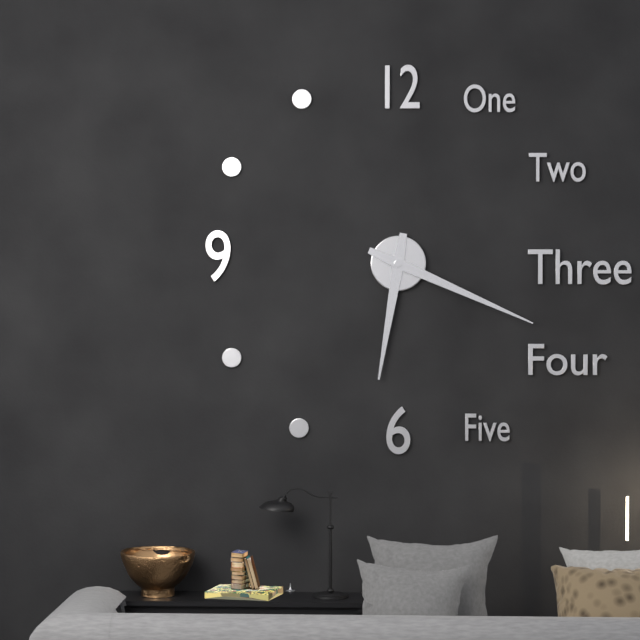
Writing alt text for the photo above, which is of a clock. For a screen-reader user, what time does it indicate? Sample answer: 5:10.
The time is 6:19
